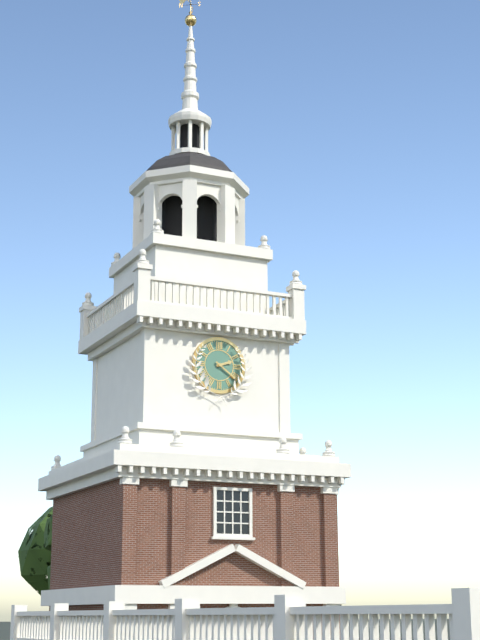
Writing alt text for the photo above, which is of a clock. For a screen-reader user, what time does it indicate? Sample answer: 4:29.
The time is 2:21
